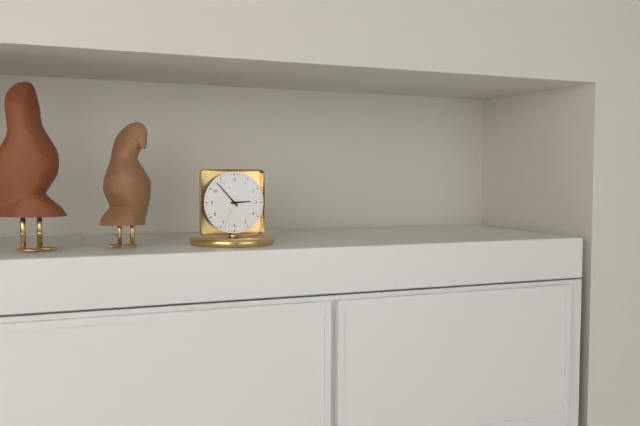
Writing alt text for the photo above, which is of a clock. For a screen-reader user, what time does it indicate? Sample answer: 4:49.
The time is 2:53
